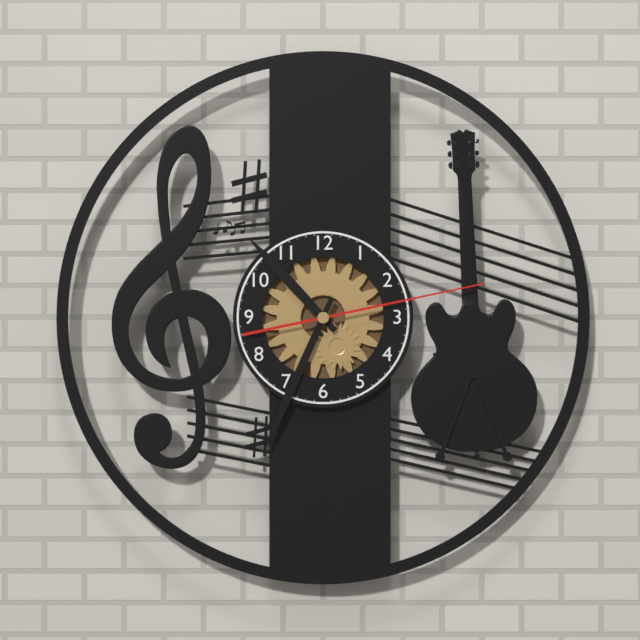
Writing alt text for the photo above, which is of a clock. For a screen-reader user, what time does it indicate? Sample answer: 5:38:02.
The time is 10:34:13
